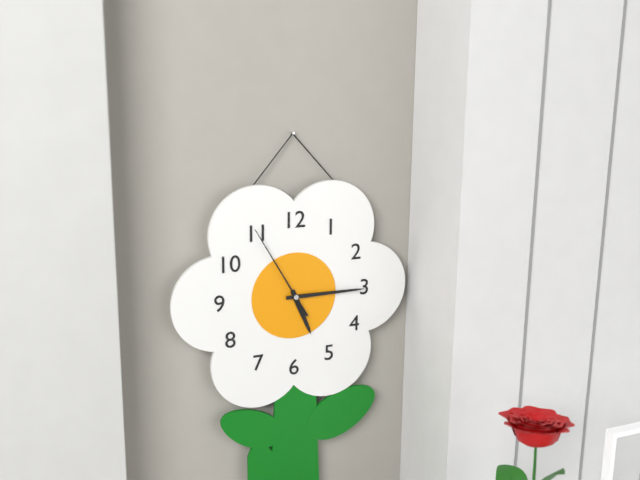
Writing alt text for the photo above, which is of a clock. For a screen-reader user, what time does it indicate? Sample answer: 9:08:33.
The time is 5:15:55
